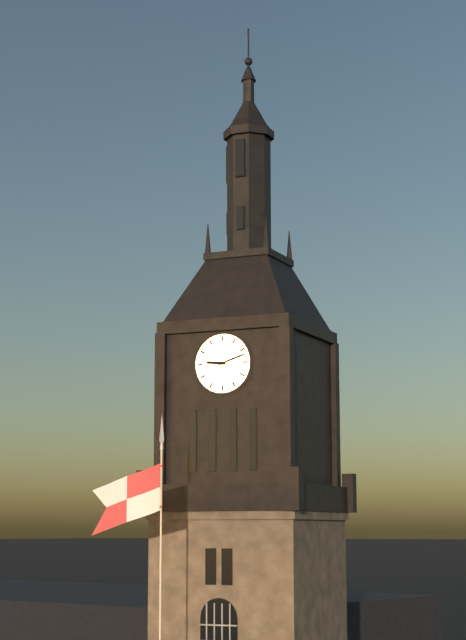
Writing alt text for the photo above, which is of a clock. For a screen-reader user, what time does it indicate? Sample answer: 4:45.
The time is 9:12
